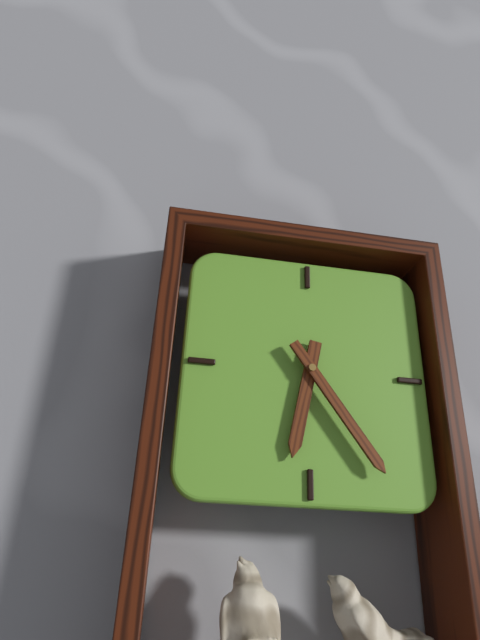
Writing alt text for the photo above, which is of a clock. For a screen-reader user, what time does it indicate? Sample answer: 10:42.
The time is 6:24
